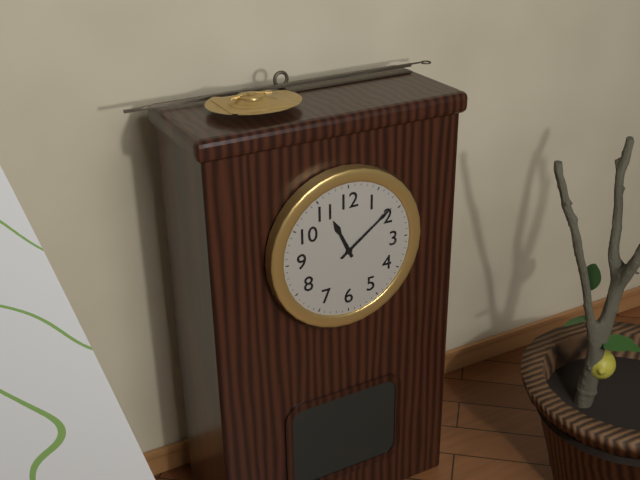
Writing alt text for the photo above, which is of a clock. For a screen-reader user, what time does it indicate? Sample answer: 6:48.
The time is 11:09
